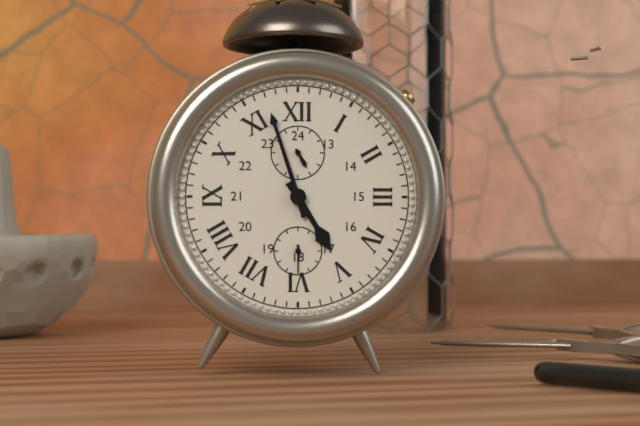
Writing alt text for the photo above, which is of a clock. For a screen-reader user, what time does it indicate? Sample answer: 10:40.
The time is 4:57
